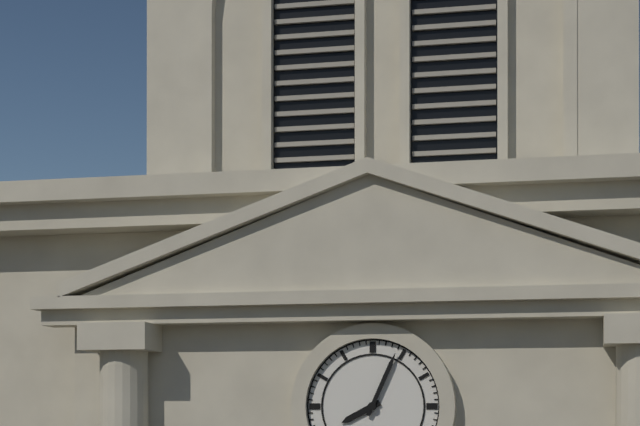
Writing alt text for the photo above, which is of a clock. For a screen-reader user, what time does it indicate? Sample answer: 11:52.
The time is 8:04
